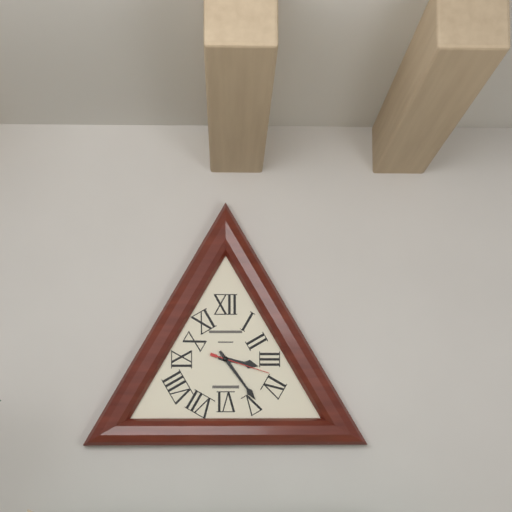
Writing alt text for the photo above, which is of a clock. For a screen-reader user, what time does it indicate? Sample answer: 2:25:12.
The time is 3:24:18
